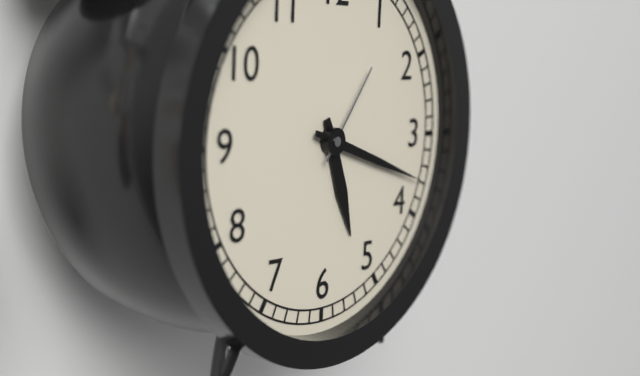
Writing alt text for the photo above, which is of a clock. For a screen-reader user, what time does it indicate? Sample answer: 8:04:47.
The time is 5:18:06
